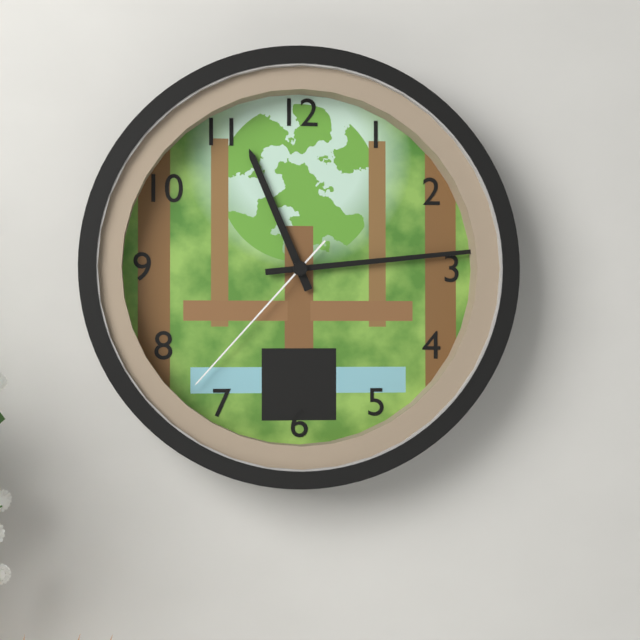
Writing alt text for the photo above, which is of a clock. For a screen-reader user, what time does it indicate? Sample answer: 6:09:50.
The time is 11:14:37
